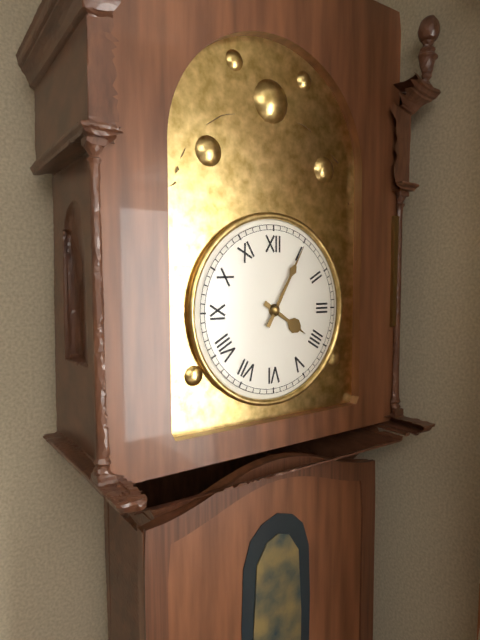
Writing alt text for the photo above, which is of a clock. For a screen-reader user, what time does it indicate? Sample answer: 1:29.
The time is 4:05
